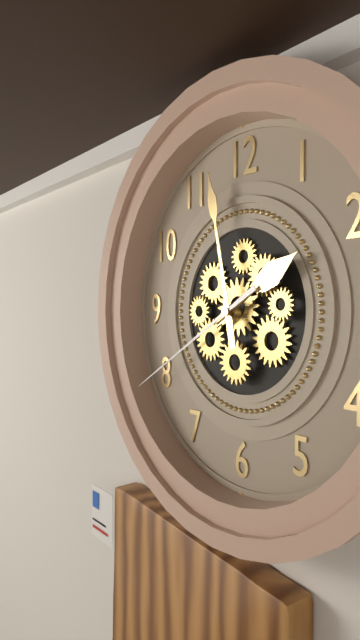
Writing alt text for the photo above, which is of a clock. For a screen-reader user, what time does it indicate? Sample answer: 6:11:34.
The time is 1:58:40
